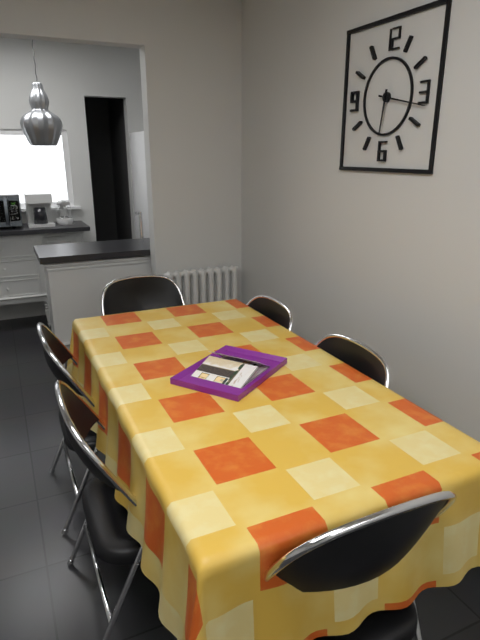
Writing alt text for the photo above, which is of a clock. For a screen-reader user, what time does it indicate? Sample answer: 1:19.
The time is 6:17
